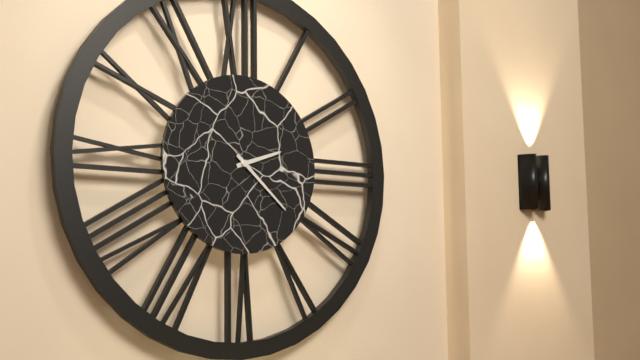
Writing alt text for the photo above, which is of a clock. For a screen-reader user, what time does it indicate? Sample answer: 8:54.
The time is 2:22
